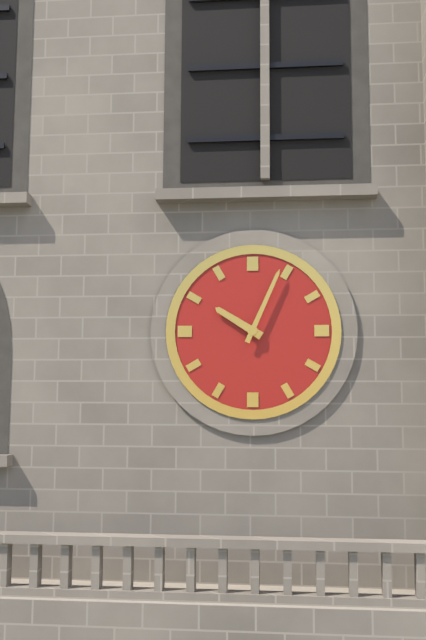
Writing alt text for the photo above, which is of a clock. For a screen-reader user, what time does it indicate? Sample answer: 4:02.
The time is 10:04
